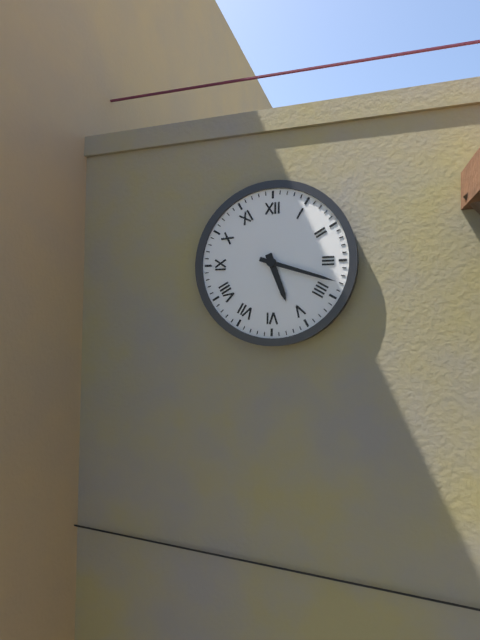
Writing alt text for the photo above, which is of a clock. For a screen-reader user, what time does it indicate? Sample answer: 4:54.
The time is 5:18
